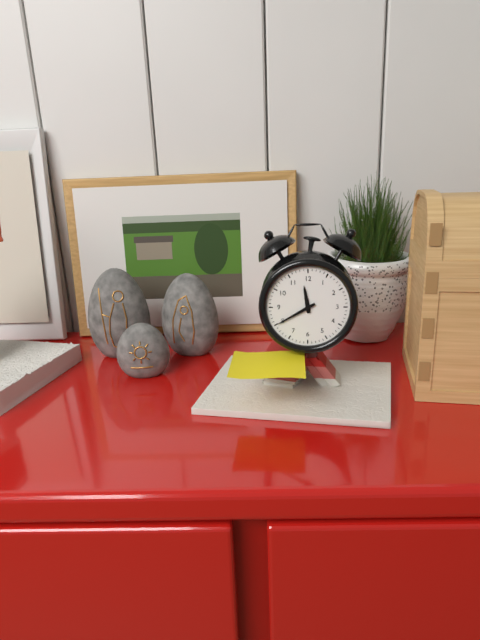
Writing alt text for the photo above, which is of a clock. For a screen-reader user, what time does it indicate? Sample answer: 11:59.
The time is 11:40
